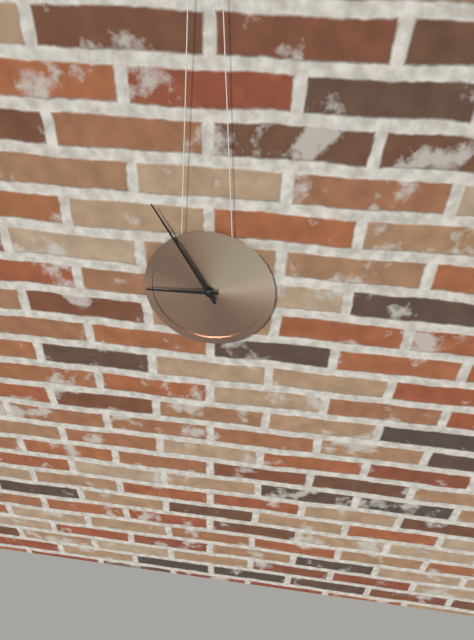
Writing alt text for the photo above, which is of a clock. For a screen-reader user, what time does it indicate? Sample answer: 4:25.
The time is 8:55
